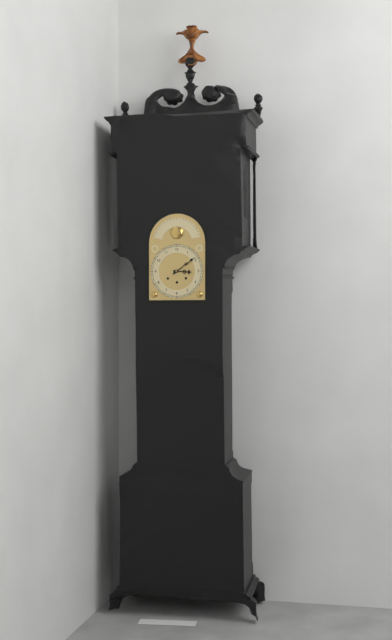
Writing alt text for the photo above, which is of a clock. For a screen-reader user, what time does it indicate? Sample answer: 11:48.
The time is 3:09
